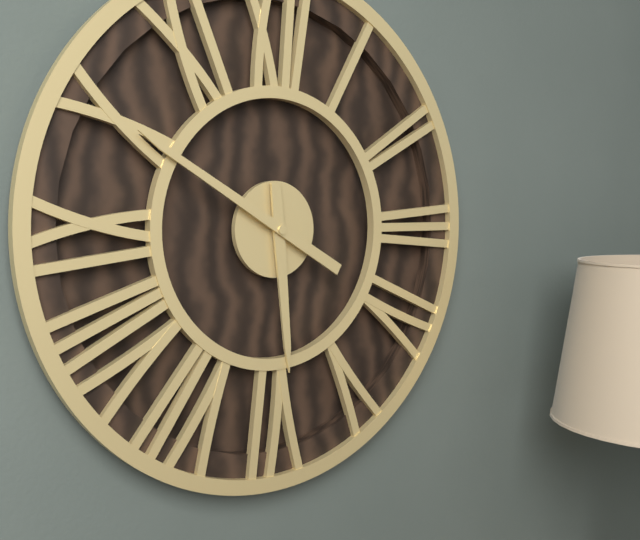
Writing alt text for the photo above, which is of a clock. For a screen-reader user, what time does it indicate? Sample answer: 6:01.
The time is 5:50
